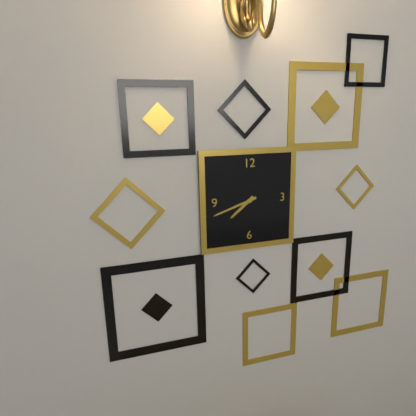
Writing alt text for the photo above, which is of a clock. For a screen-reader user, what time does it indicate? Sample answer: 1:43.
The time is 7:42
